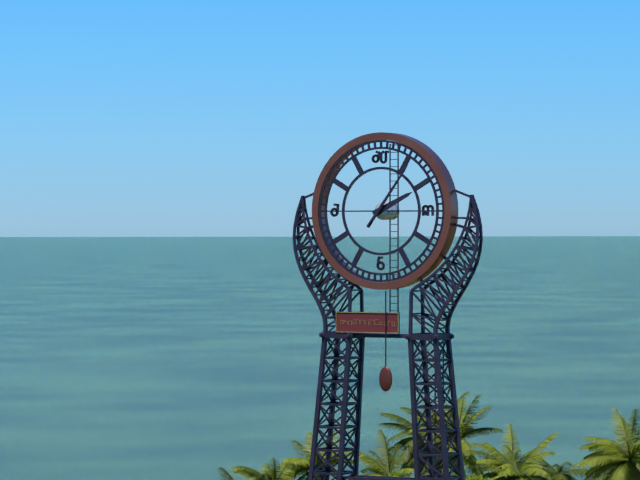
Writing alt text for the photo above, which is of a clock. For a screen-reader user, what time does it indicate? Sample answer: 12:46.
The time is 2:06
